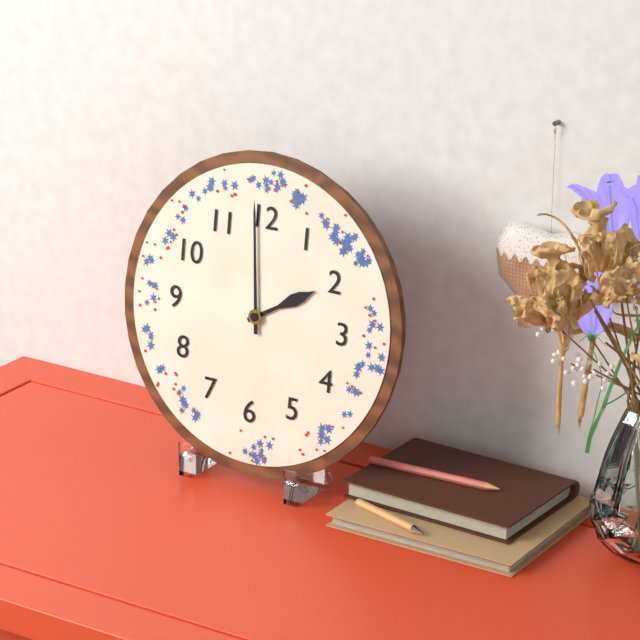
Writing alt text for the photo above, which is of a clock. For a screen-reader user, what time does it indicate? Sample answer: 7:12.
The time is 1:59
